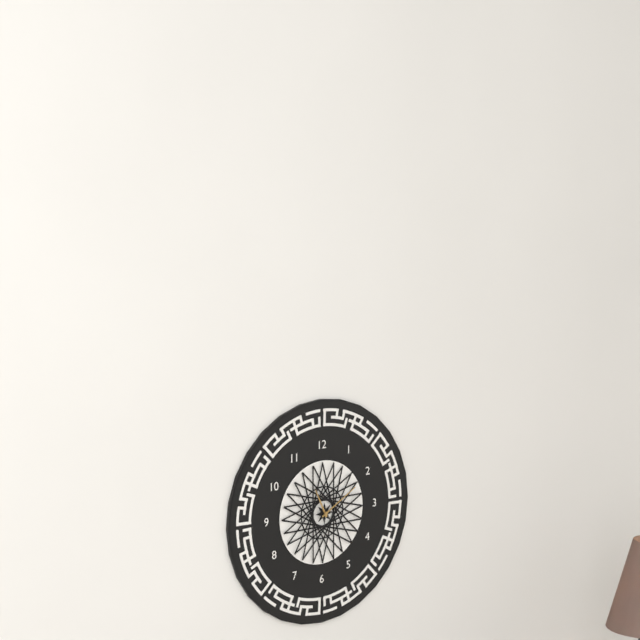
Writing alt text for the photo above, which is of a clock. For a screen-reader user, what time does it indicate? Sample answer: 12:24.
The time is 11:10
